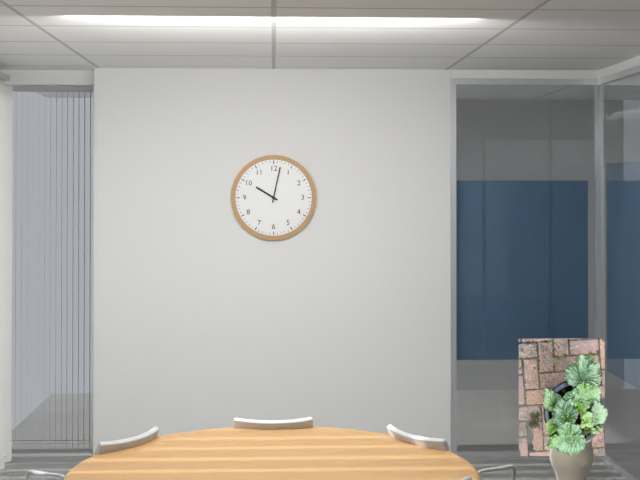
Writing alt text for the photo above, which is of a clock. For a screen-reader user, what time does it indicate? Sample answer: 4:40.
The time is 10:02
